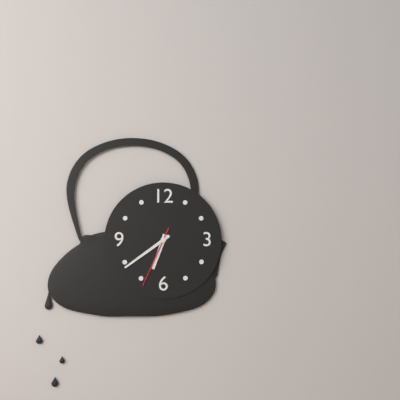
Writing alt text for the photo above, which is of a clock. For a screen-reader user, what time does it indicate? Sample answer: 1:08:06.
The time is 6:39:34
